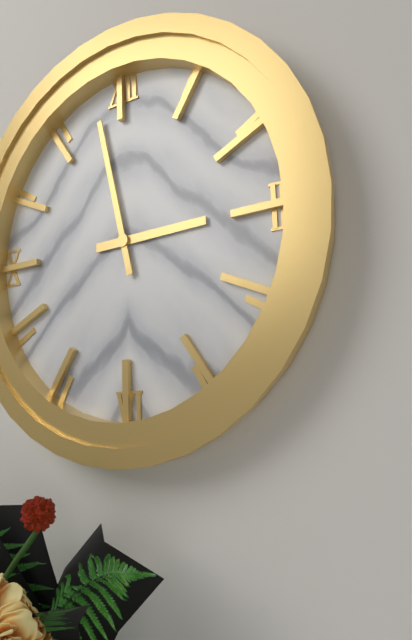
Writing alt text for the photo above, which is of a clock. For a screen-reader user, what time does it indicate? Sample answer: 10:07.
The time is 2:58
